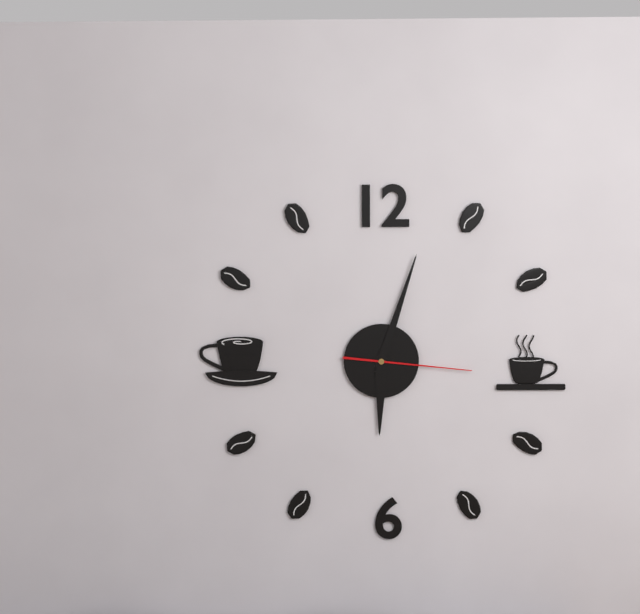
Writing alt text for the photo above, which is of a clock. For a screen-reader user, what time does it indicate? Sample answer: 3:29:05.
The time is 6:03:16
